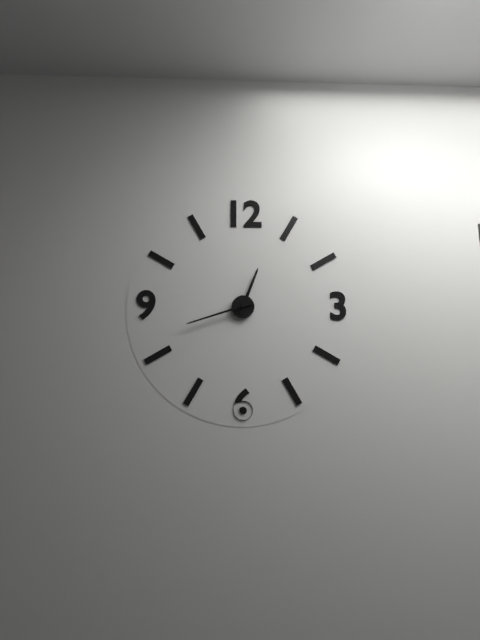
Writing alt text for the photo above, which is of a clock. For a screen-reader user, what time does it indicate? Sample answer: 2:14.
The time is 12:42
